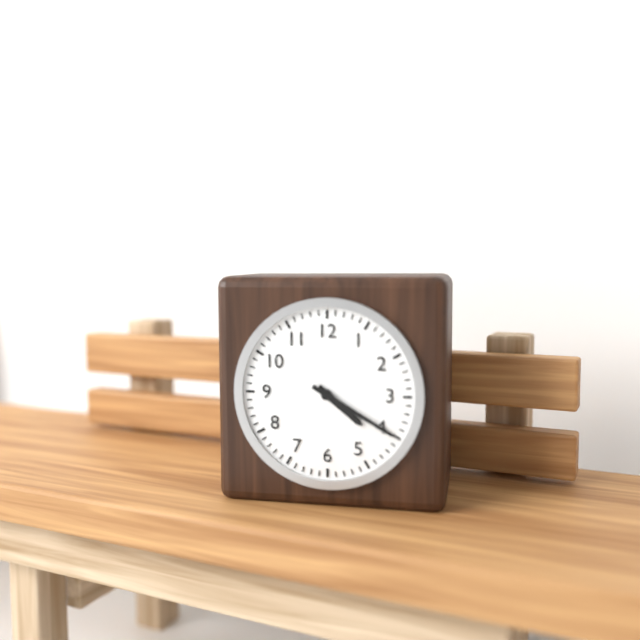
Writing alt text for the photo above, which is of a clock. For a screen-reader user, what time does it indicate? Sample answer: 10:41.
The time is 4:20
